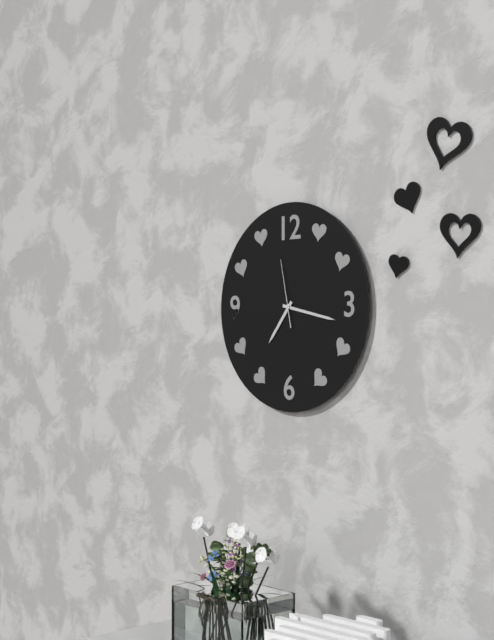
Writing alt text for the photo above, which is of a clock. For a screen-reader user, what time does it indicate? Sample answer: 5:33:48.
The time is 7:17:58
